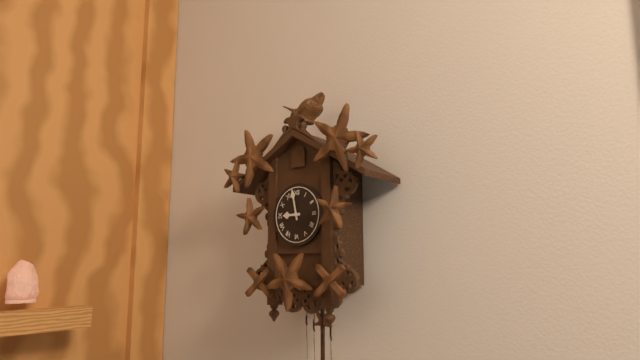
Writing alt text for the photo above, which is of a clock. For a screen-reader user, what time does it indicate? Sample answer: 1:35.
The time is 8:58
